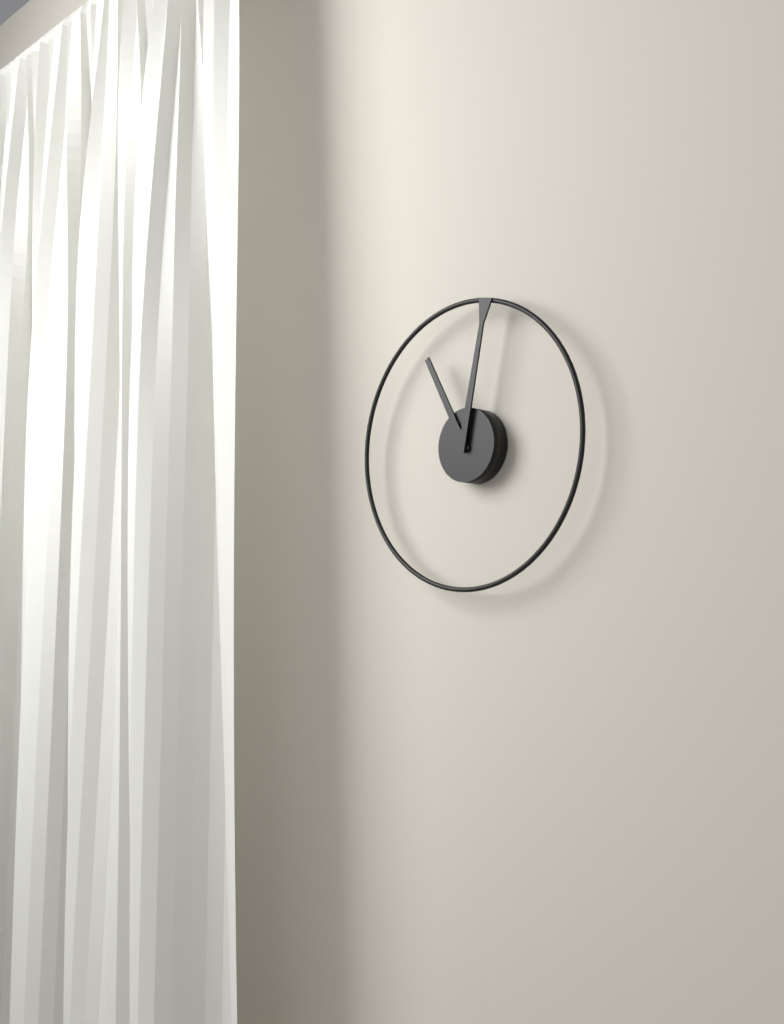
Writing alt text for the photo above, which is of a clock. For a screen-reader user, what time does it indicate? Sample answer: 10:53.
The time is 11:02
